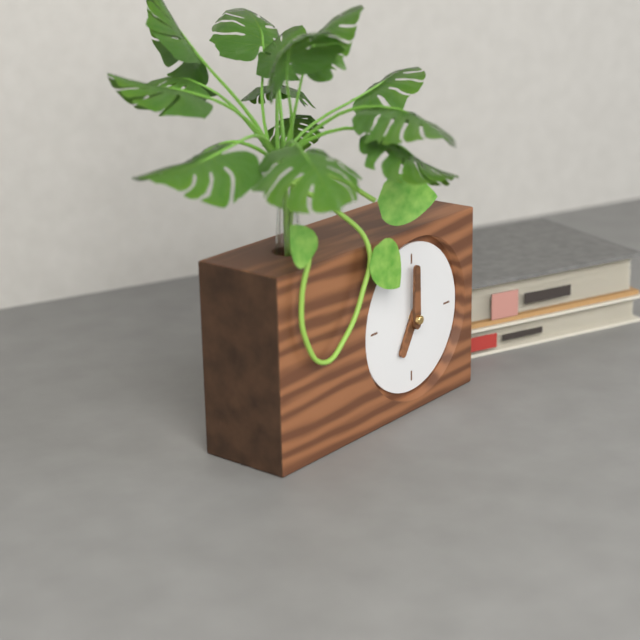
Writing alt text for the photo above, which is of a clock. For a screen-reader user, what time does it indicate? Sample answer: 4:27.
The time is 7:00
